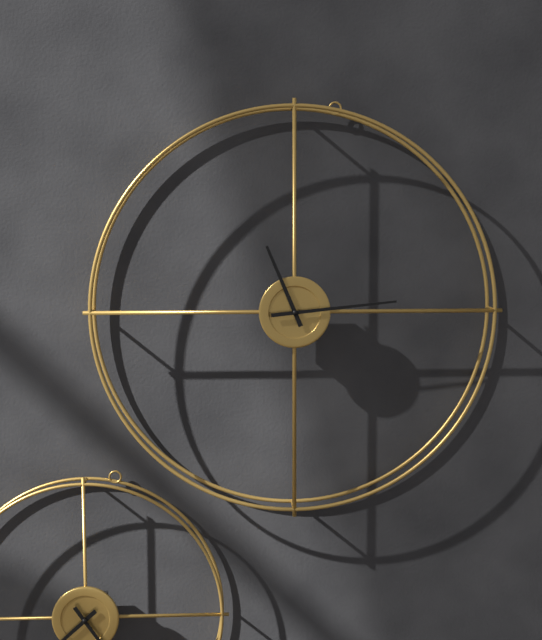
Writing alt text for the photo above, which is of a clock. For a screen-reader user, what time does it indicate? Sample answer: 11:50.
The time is 11:14
